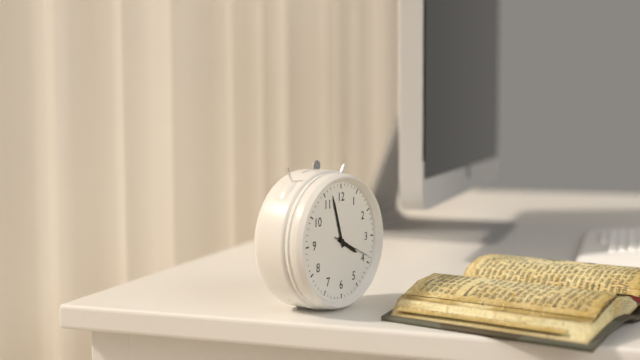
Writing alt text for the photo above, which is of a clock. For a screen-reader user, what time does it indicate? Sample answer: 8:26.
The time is 3:57
